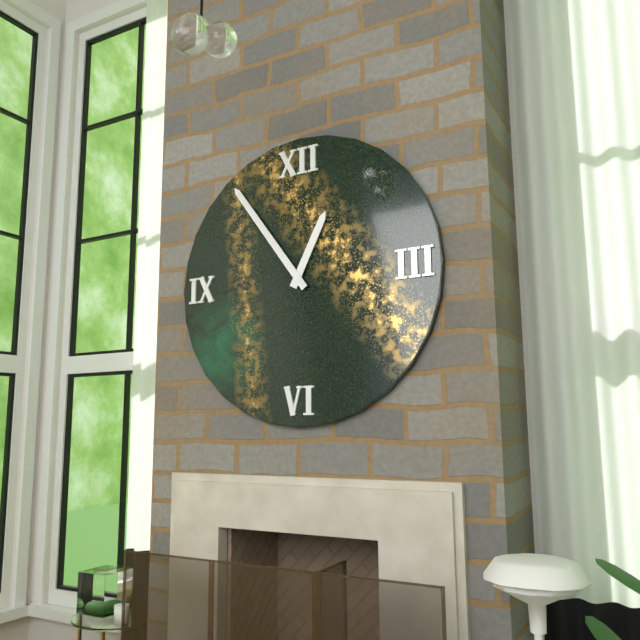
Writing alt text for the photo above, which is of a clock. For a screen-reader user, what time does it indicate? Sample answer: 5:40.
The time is 12:54
